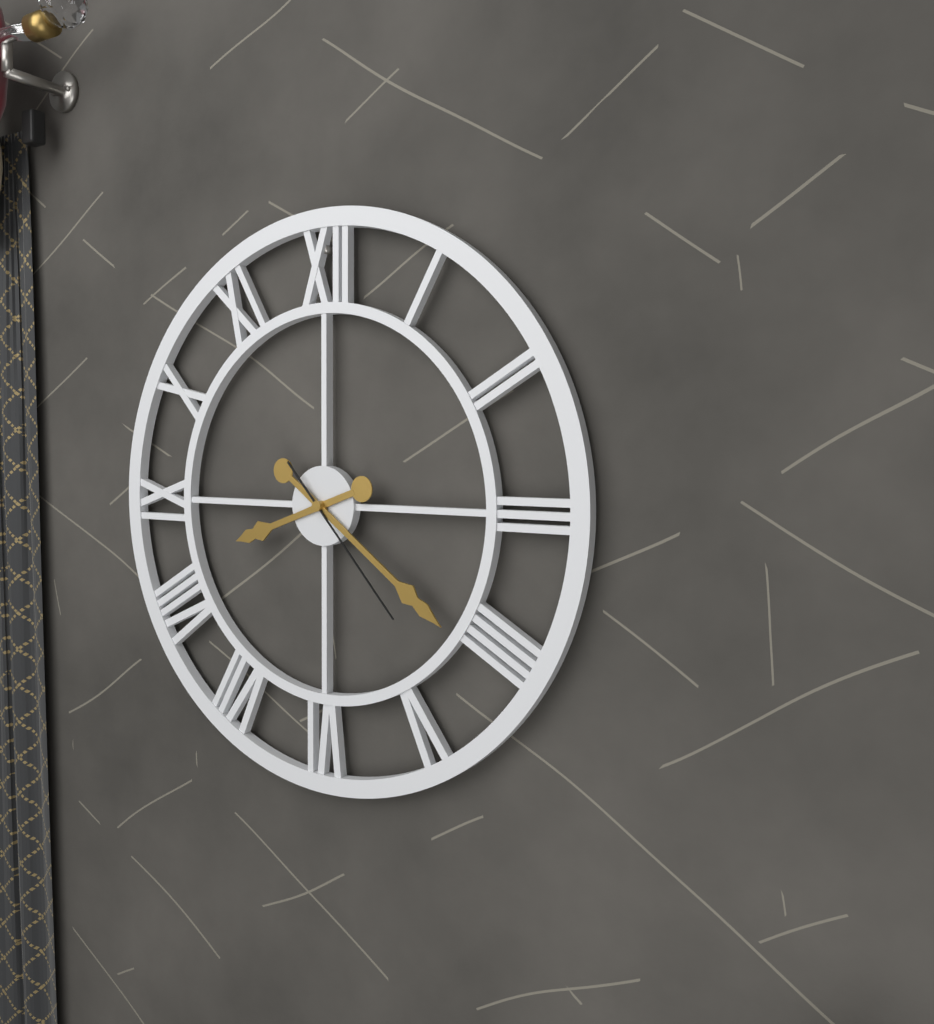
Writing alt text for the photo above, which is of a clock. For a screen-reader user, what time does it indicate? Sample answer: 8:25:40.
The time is 8:21:23
